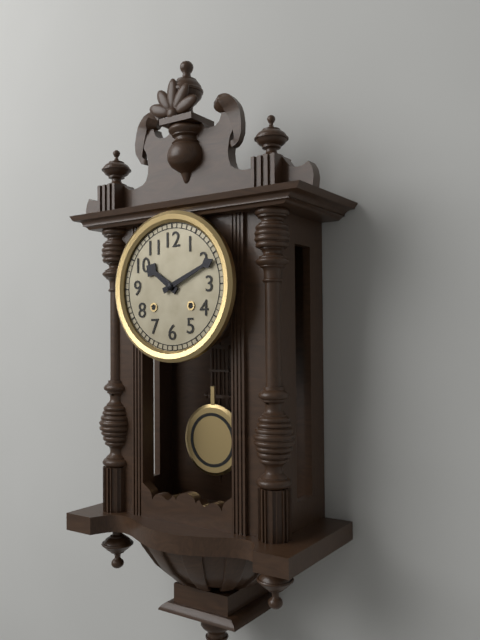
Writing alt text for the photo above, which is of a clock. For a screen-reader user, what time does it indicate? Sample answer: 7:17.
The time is 10:11
